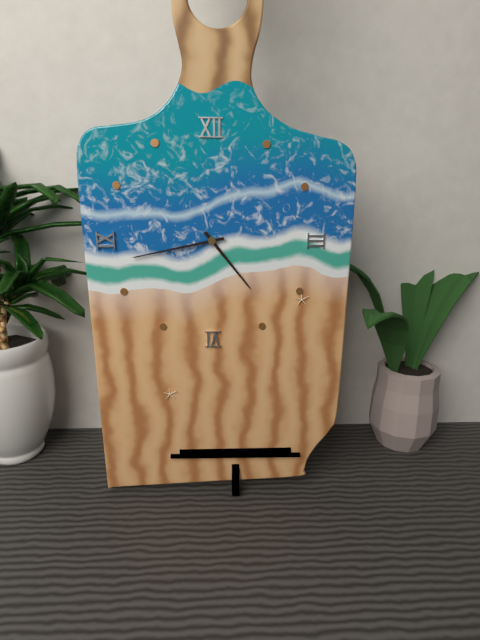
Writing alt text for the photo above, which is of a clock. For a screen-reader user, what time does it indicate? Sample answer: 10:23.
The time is 4:43
